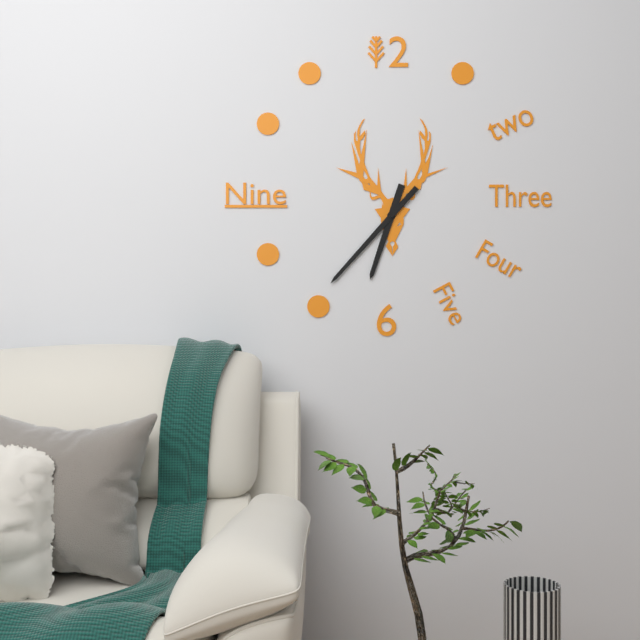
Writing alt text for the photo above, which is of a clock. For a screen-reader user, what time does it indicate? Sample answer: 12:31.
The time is 6:37
